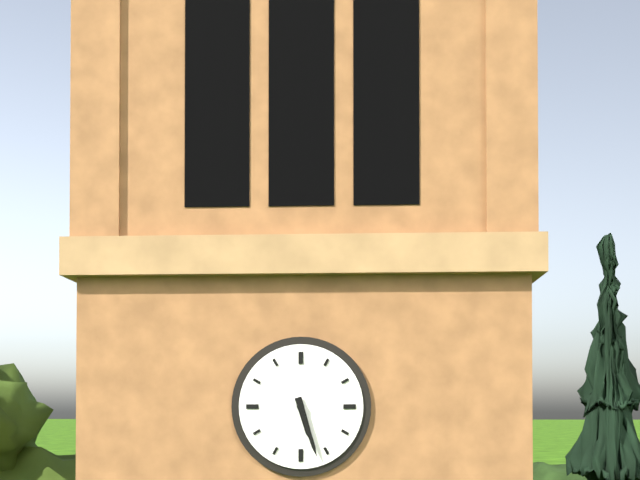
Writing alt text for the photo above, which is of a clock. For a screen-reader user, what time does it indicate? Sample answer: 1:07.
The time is 5:27
